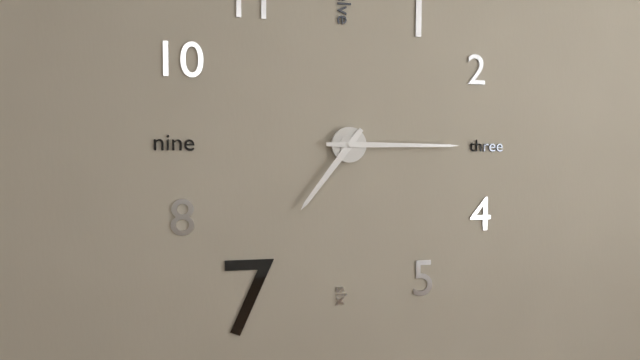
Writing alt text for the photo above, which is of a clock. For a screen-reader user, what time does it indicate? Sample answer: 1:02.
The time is 7:15
